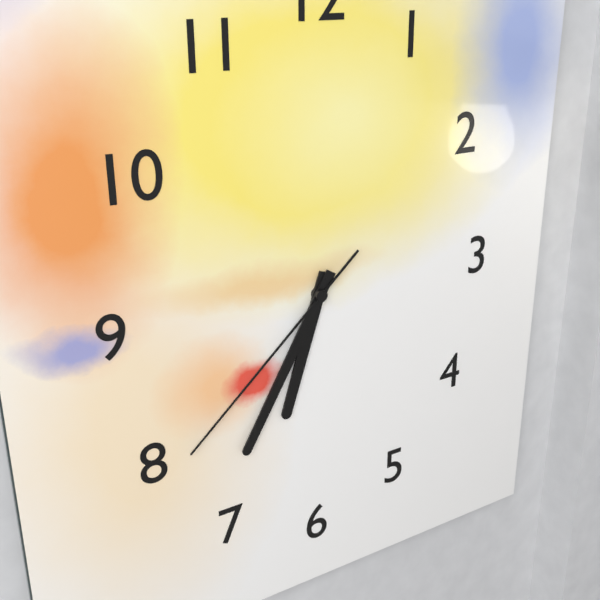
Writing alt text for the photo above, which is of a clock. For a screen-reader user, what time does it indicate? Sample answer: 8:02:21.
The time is 6:35:38
